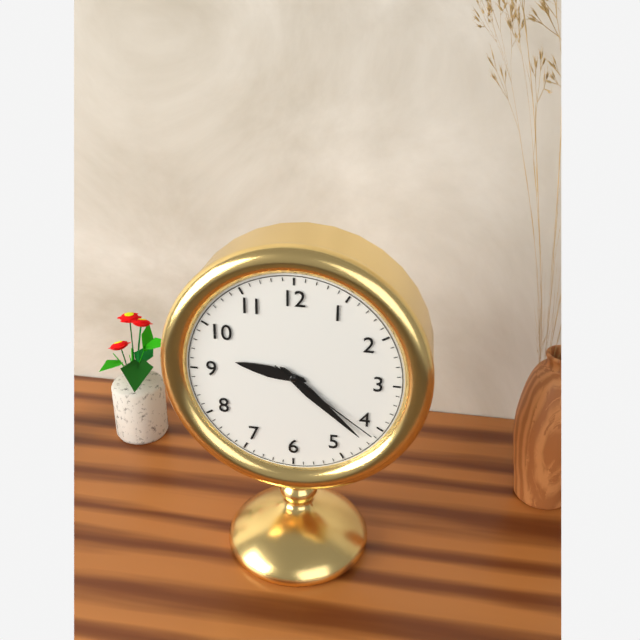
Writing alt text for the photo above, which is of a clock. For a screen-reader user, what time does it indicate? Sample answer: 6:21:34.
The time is 9:22:21
